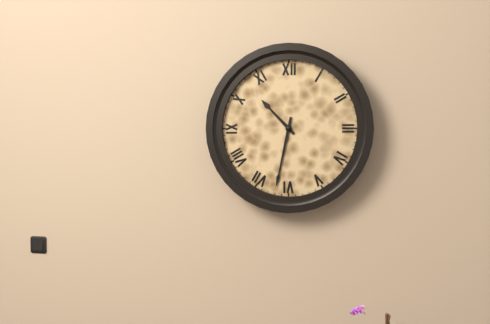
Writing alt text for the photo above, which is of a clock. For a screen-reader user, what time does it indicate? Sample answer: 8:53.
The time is 10:32
